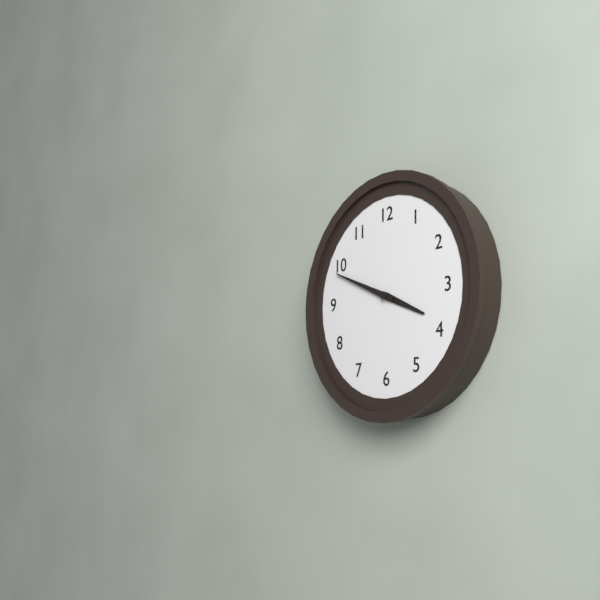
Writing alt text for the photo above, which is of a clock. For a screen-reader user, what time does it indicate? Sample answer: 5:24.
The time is 3:49
